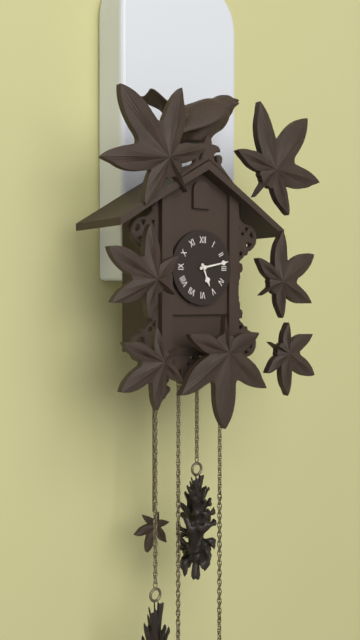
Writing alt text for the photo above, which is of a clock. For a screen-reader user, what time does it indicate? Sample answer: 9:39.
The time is 5:13
